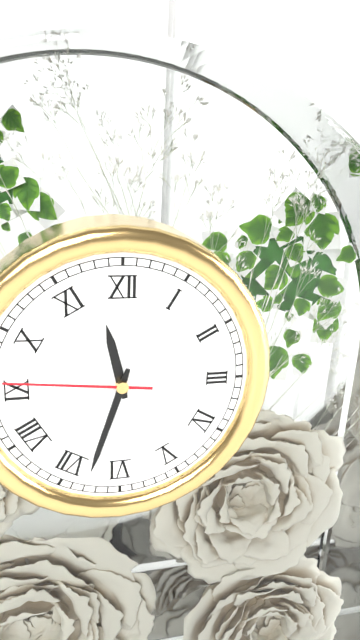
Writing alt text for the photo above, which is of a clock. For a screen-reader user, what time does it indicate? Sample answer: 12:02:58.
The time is 11:33:46
